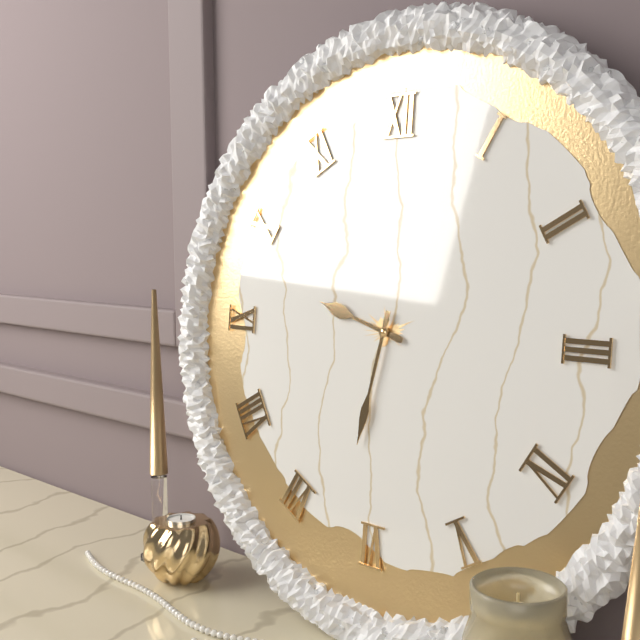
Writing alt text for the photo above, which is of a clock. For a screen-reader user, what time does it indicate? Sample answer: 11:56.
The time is 9:32
